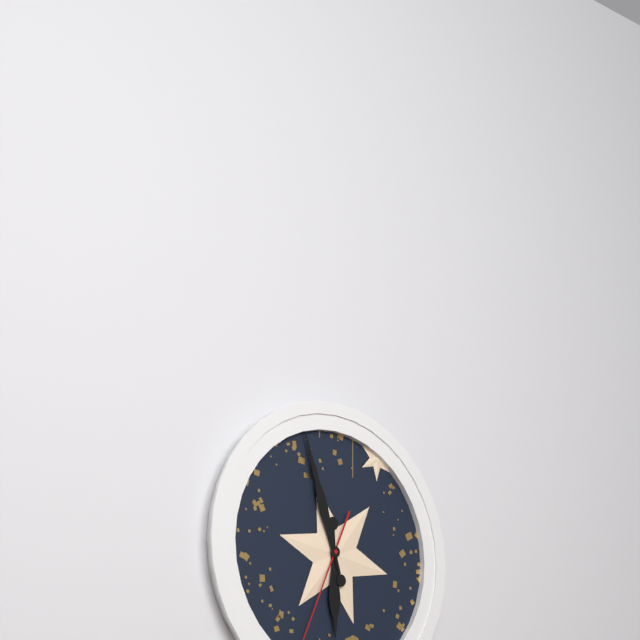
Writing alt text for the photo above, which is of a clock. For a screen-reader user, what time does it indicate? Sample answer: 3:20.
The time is 5:57
